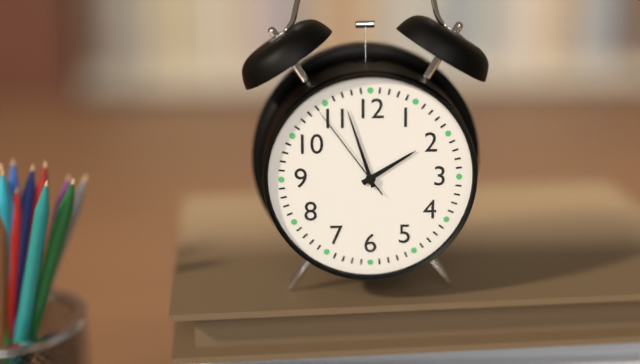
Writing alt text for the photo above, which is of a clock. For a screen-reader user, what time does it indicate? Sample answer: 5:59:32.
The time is 1:57:54
